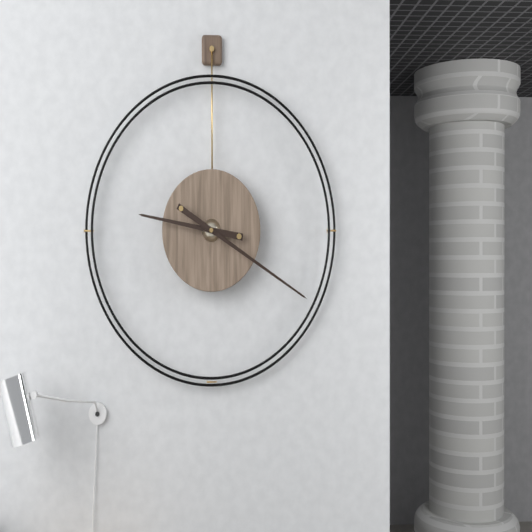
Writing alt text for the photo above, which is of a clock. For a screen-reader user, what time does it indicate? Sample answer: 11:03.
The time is 9:20
